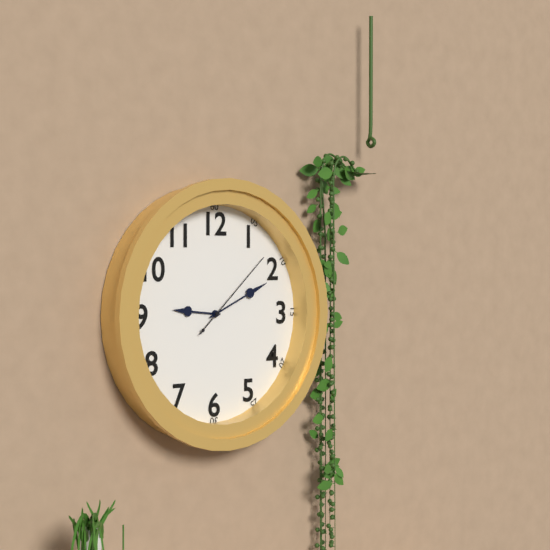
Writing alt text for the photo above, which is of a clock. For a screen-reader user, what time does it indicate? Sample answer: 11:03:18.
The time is 9:11:08
